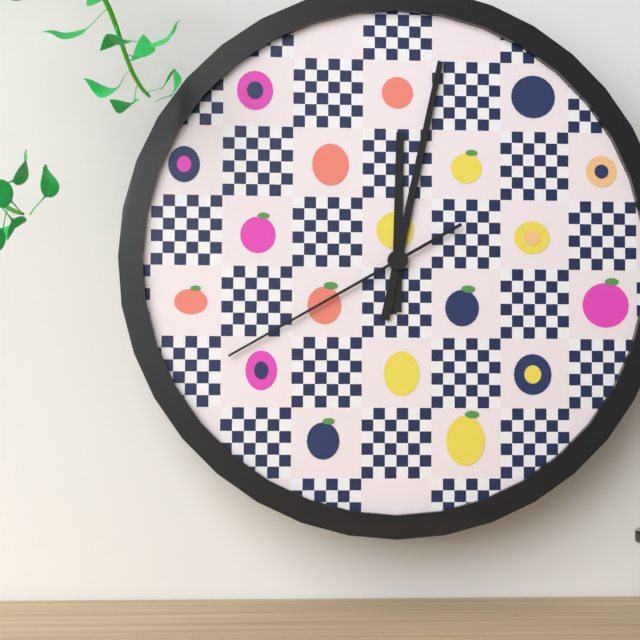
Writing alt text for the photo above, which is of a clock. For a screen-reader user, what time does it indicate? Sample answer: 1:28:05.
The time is 12:02:40
